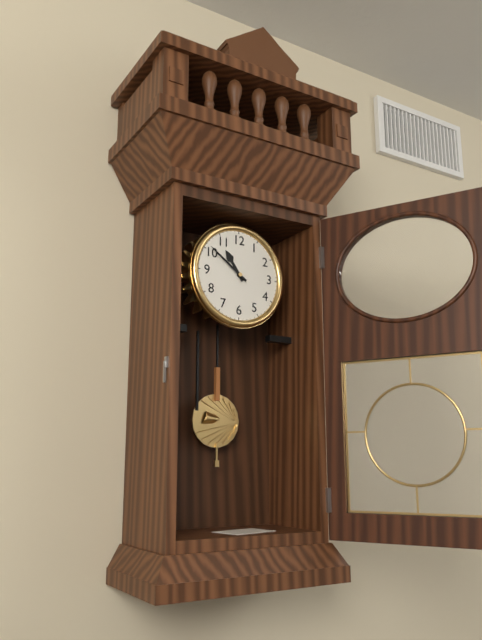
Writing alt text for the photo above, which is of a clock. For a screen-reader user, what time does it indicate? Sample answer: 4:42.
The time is 10:51
